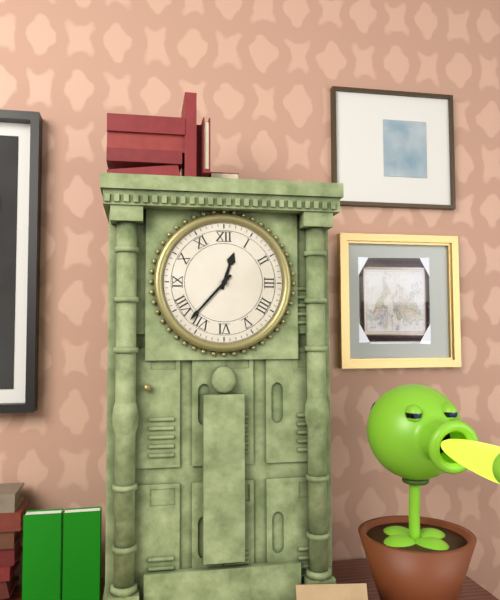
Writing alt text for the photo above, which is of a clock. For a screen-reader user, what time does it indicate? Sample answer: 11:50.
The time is 12:37
